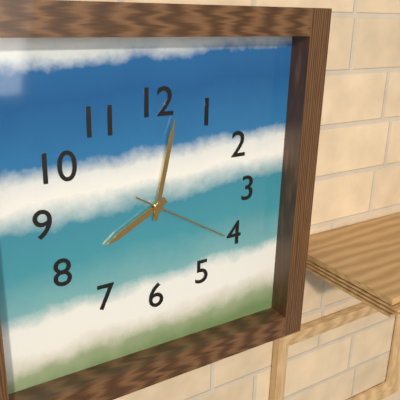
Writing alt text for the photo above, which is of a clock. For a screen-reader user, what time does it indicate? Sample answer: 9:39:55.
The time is 8:02:20
